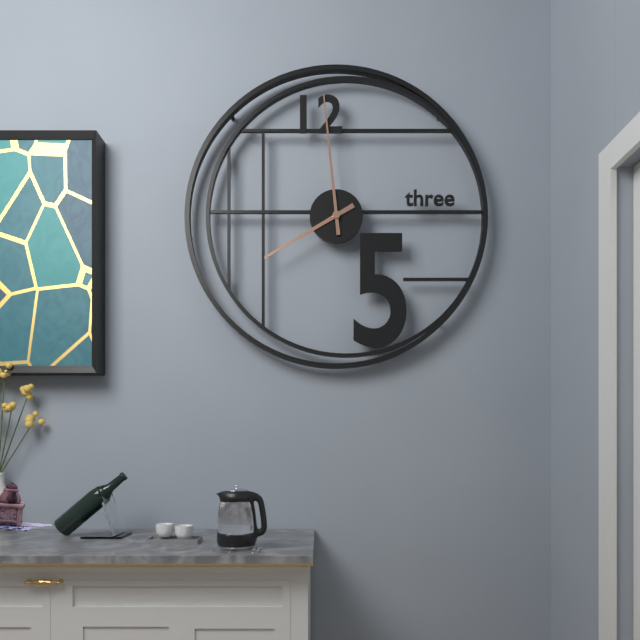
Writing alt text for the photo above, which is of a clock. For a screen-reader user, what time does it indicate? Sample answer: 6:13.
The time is 7:59
